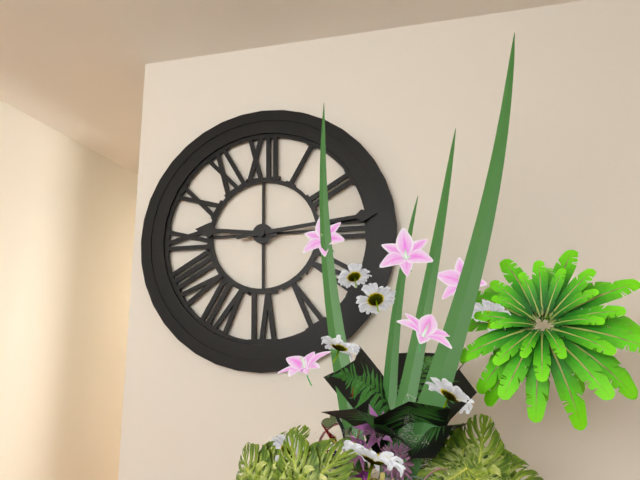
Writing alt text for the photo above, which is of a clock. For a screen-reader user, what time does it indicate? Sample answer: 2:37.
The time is 9:14
